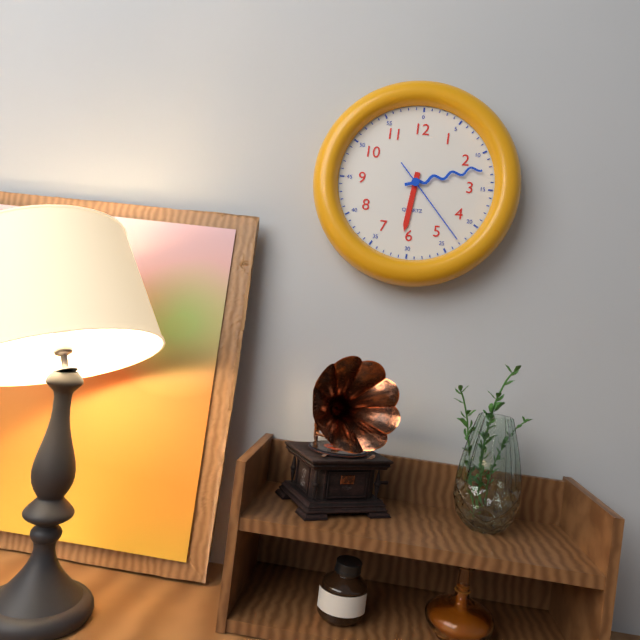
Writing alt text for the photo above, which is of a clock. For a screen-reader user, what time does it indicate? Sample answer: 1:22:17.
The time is 6:12:23
